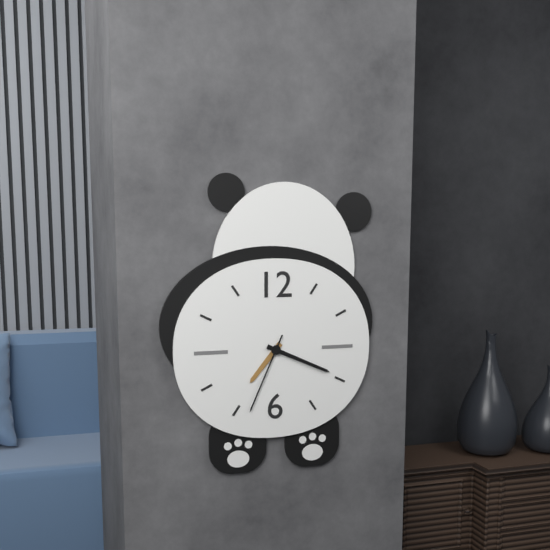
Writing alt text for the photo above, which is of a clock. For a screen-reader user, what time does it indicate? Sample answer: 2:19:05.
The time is 7:19:34
